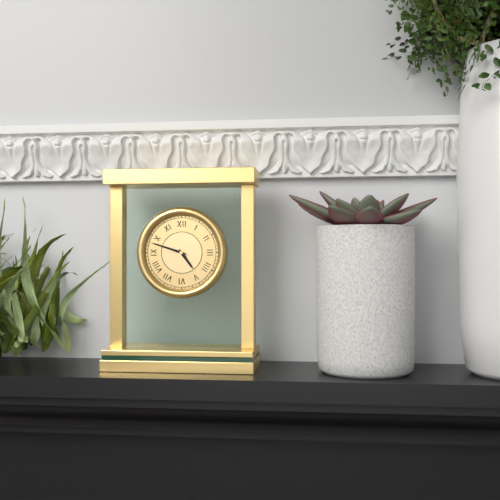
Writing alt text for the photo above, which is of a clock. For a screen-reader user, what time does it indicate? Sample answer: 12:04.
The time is 4:48
